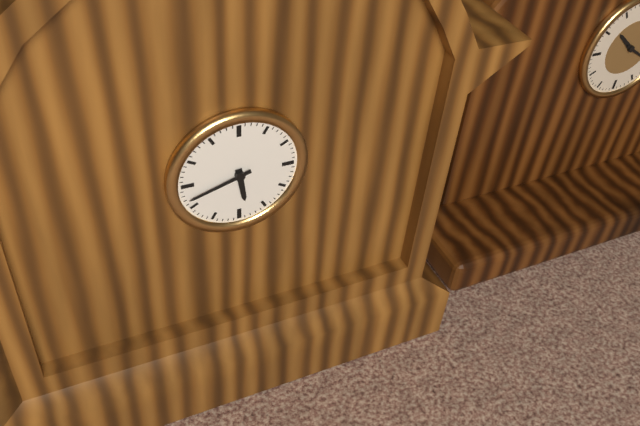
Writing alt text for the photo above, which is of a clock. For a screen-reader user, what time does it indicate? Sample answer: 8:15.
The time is 5:42
